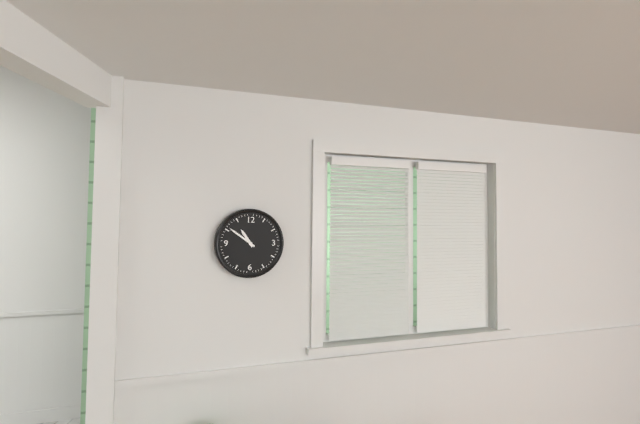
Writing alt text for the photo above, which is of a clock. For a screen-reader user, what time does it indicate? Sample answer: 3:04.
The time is 10:51
